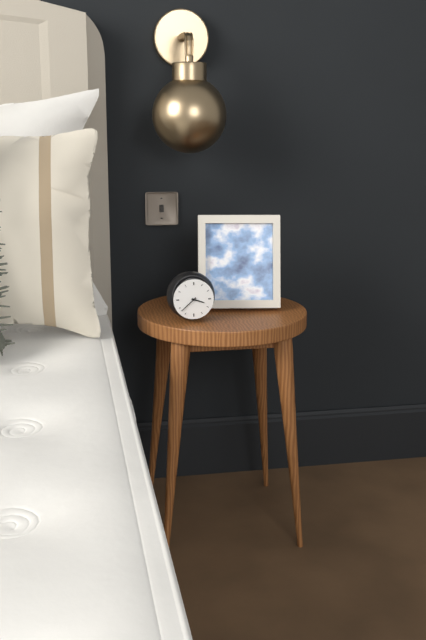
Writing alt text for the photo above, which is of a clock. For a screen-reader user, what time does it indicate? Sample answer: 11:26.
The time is 3:38
